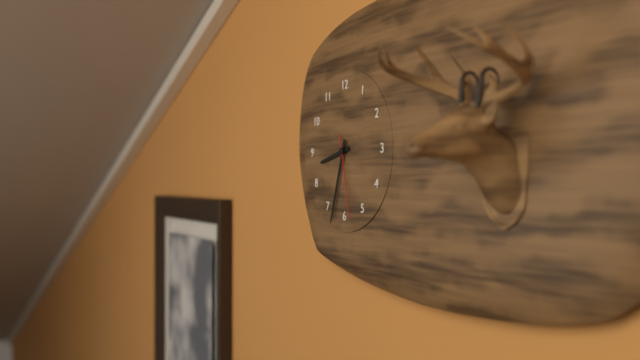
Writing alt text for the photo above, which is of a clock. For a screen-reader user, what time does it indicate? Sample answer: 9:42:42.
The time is 8:33:28
